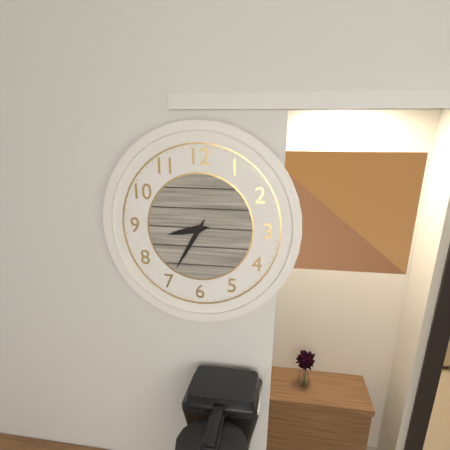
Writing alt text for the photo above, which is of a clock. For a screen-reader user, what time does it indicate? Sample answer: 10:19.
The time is 8:35
